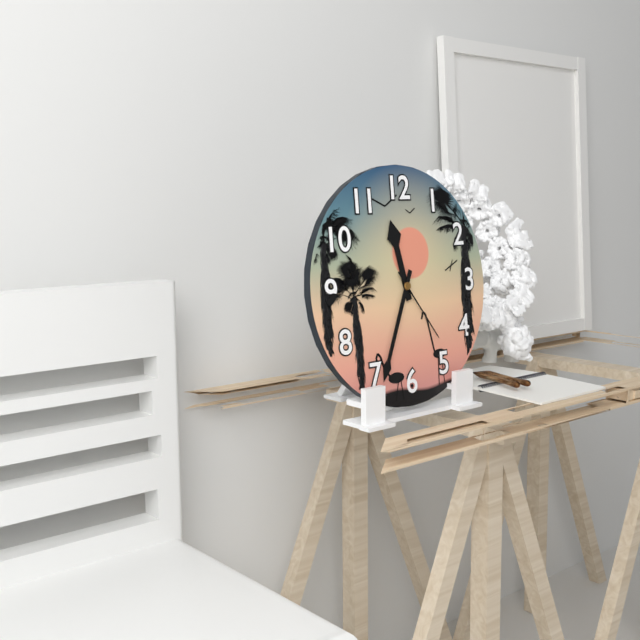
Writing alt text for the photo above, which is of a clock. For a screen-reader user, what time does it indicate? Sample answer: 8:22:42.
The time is 11:34:24
